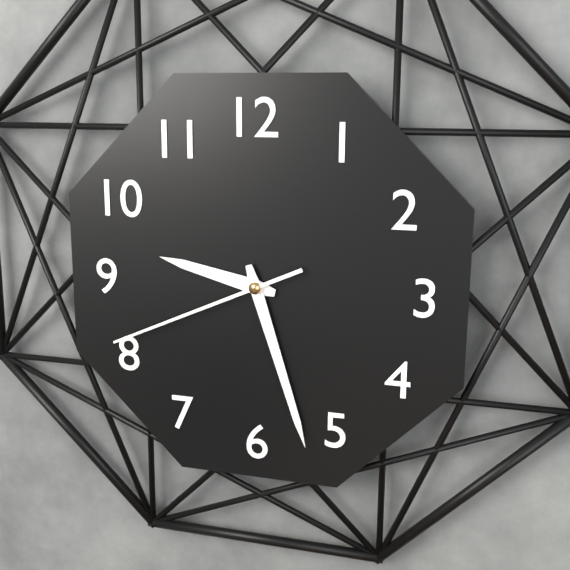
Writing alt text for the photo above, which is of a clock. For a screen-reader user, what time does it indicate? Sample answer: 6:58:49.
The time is 9:27:41
